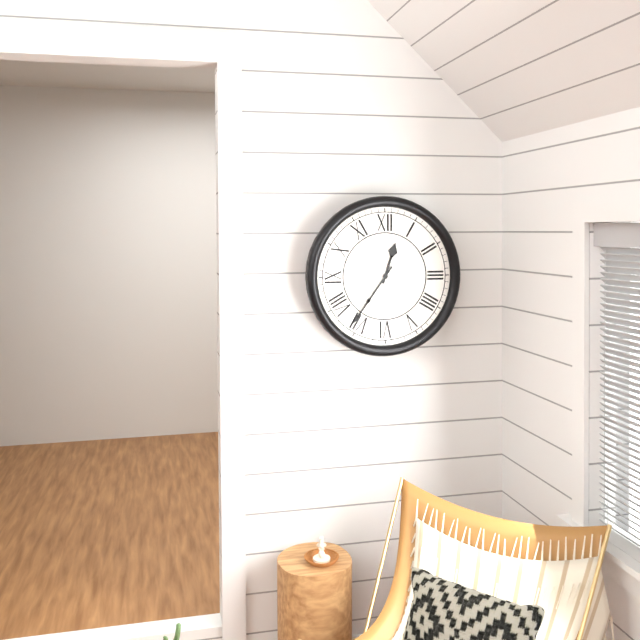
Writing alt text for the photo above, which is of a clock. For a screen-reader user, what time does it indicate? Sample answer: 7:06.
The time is 12:36
